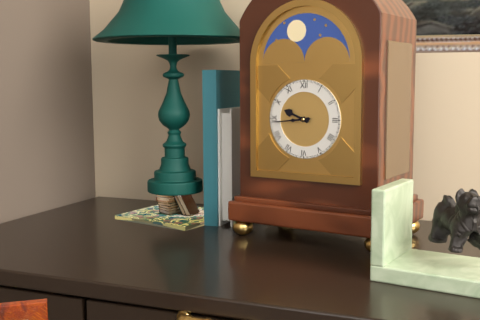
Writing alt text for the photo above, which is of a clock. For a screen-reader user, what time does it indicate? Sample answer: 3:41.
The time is 9:44
